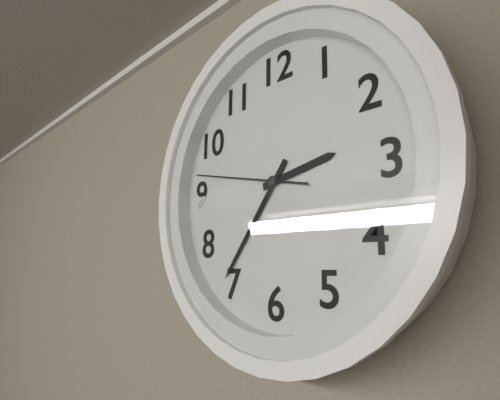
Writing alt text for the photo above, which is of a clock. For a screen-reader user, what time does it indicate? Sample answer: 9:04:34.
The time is 2:36:47
